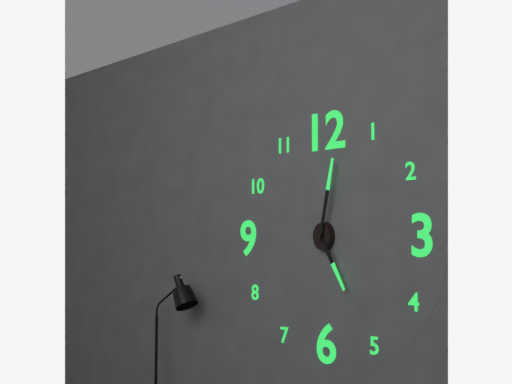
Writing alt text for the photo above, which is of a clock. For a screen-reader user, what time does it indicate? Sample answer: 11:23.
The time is 5:02
